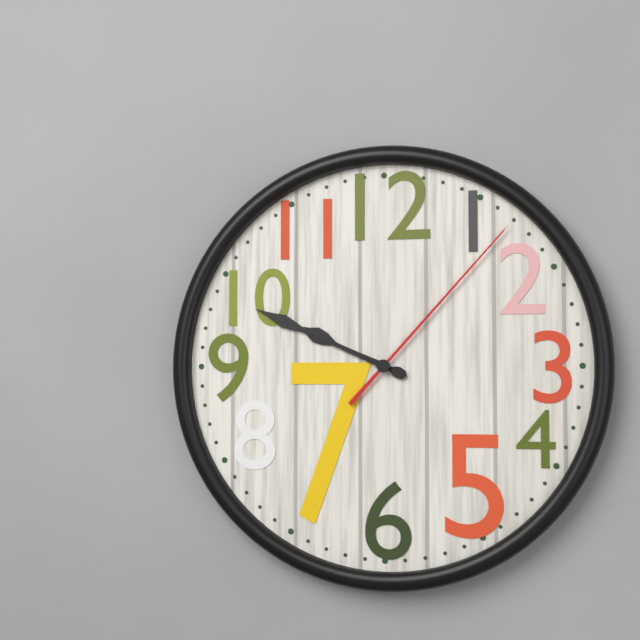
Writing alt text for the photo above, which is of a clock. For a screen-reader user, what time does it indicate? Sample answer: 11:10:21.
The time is 9:49:07
